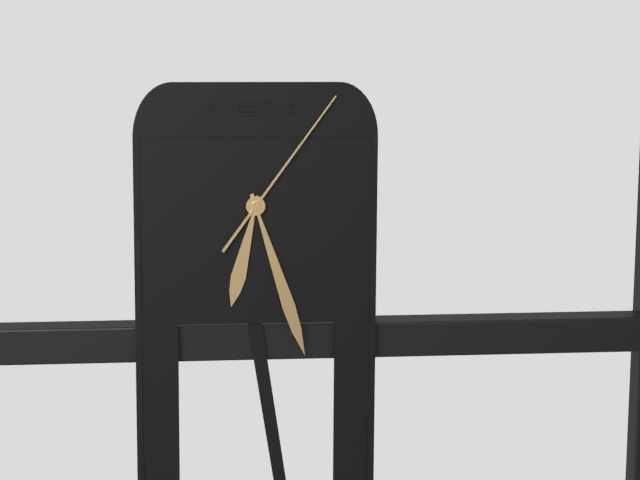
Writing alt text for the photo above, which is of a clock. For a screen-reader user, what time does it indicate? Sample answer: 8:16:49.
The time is 6:27:06
